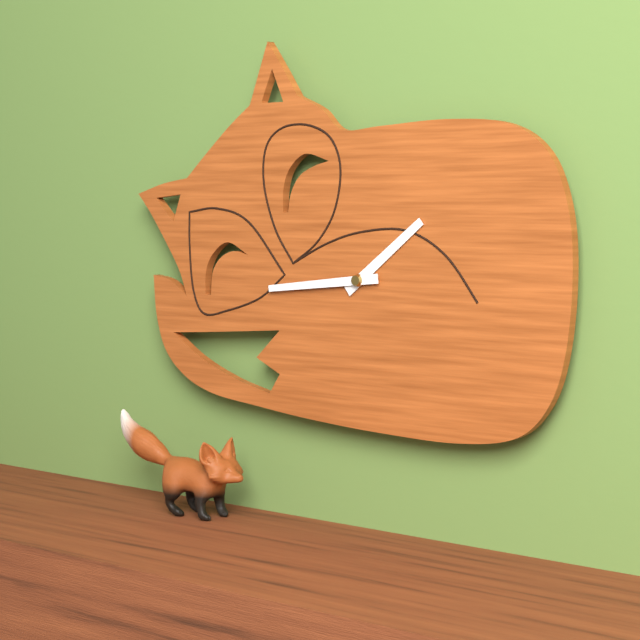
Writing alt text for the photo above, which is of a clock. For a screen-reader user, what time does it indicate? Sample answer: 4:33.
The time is 1:44
